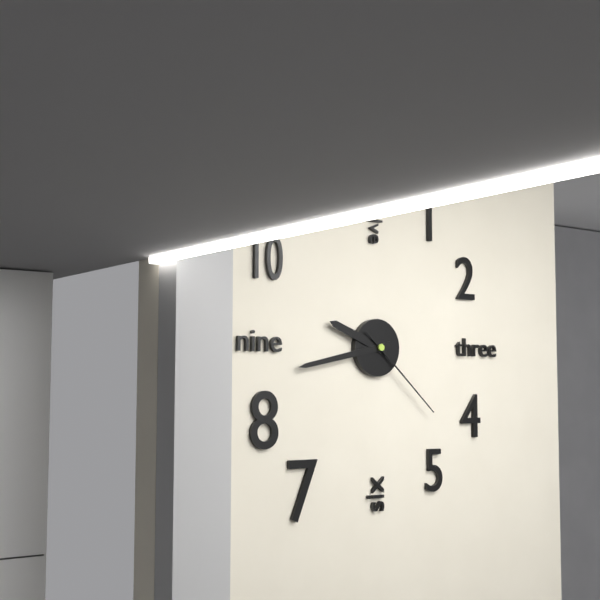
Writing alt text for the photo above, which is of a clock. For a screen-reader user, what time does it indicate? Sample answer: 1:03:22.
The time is 9:43:22
